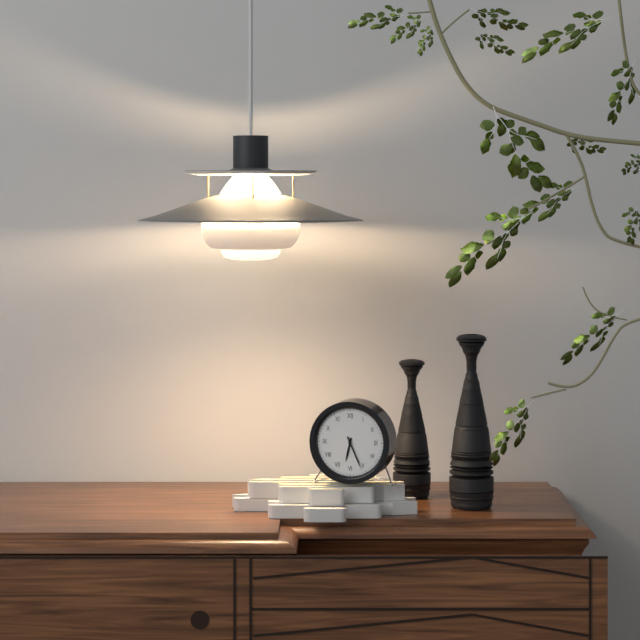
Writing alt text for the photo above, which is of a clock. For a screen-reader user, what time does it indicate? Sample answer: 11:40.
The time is 6:26
